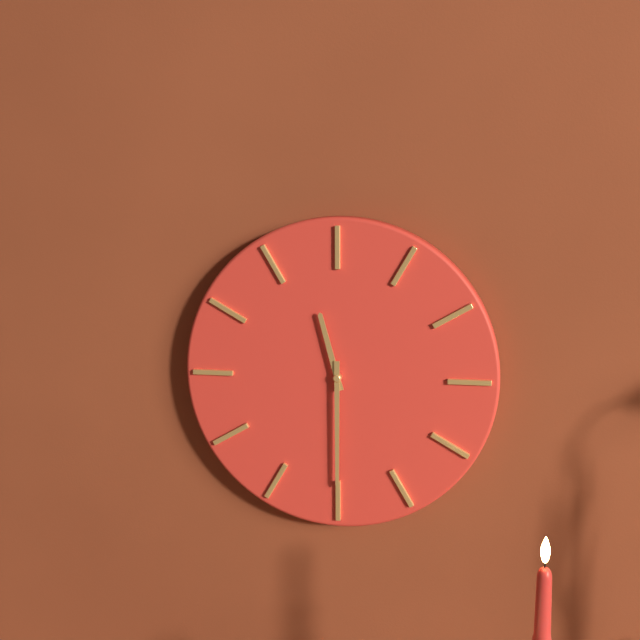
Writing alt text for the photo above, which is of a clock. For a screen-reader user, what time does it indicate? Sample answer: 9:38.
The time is 11:30
